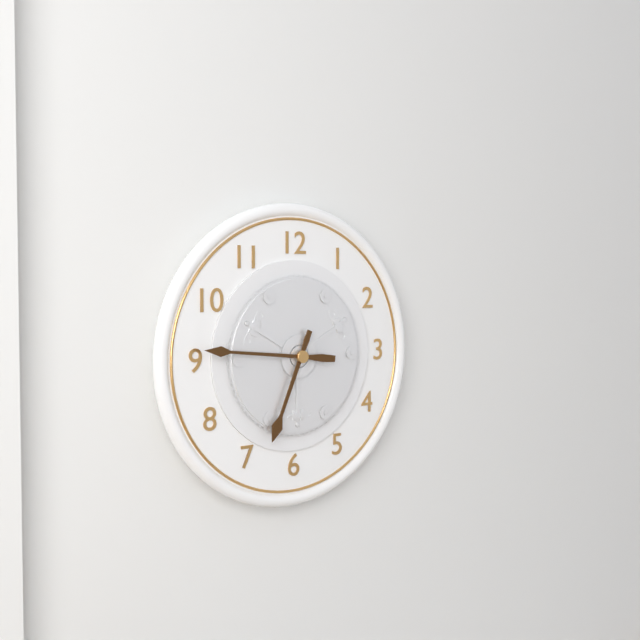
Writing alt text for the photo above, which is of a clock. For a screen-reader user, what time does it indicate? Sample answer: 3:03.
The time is 6:46
